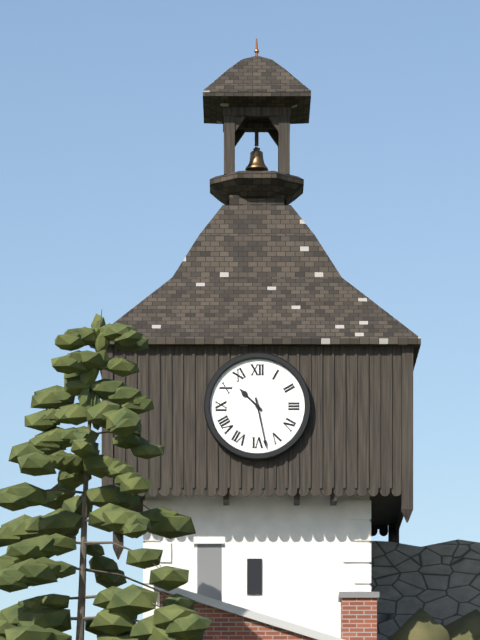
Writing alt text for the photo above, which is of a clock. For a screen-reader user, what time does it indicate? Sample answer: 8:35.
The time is 10:28
